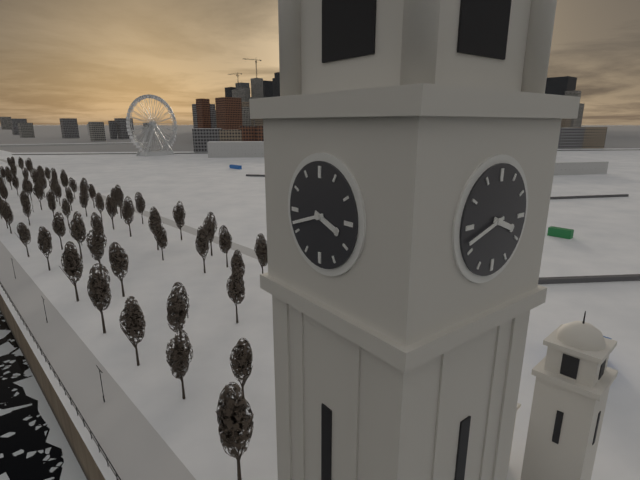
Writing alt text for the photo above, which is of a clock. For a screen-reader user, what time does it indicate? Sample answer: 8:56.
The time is 3:42
